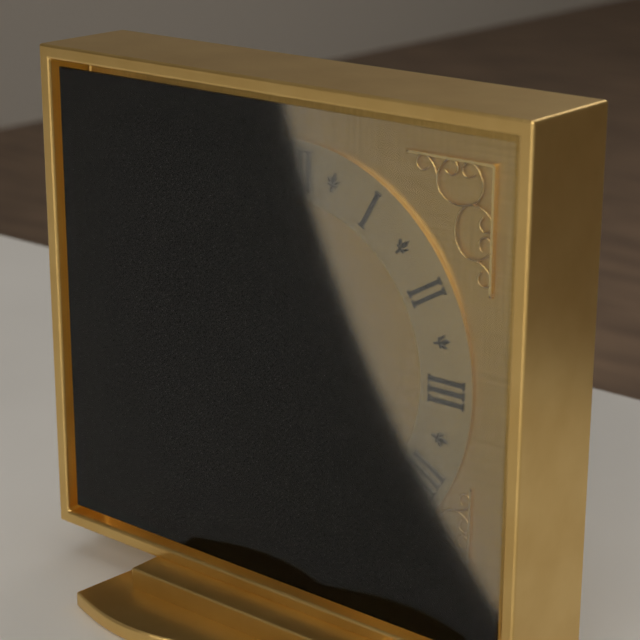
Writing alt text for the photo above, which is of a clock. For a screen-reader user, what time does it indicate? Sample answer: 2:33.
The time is 9:44
